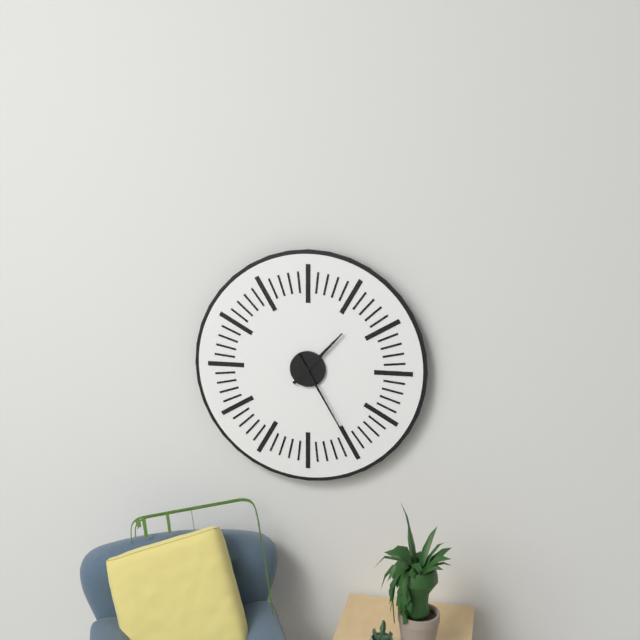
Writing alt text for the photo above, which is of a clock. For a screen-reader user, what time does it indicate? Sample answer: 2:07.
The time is 1:25
